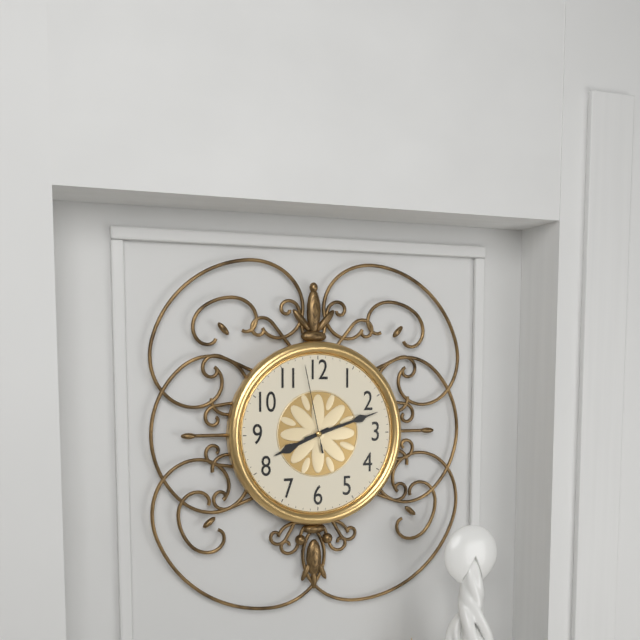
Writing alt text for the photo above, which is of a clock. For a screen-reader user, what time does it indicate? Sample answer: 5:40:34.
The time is 8:12:58
